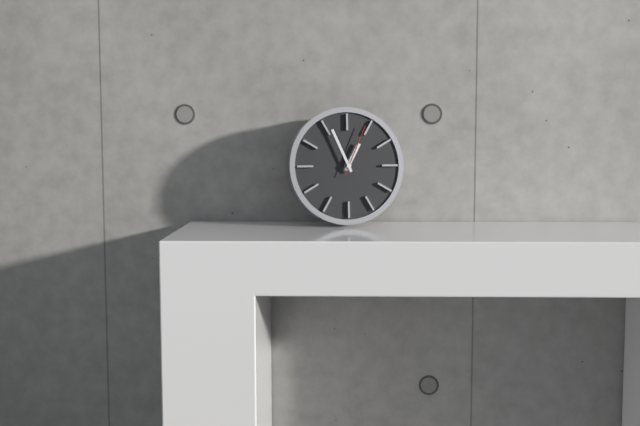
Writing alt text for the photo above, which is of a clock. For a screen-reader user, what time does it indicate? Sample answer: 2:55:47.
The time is 12:56:04
